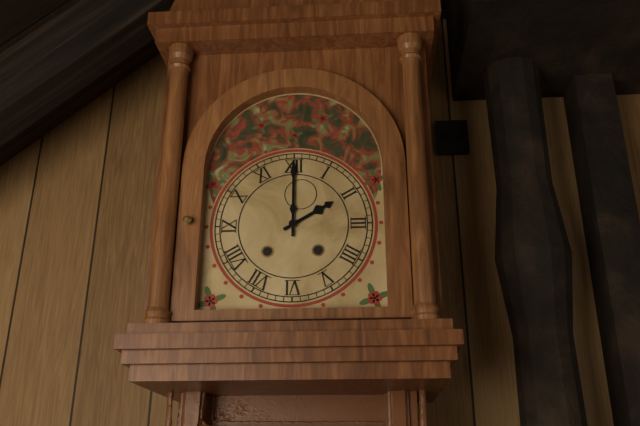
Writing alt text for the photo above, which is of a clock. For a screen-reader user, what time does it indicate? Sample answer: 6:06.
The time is 2:00
